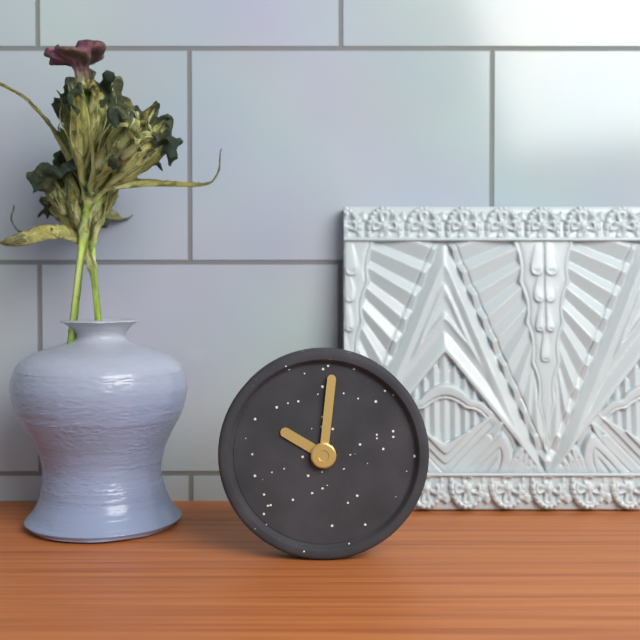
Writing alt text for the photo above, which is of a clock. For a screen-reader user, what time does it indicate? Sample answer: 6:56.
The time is 10:01
